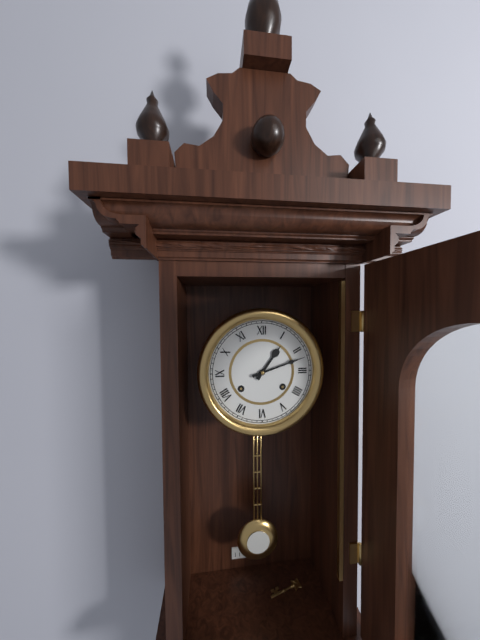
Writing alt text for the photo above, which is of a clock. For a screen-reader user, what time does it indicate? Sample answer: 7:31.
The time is 1:12
